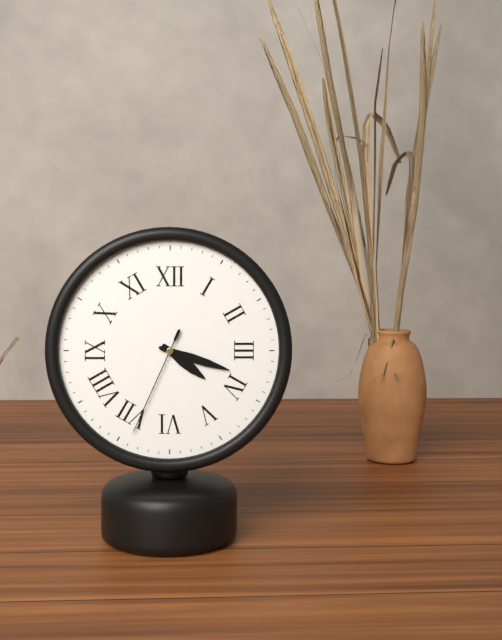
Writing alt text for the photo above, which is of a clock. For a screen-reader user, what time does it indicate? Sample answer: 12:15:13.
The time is 4:18:34
